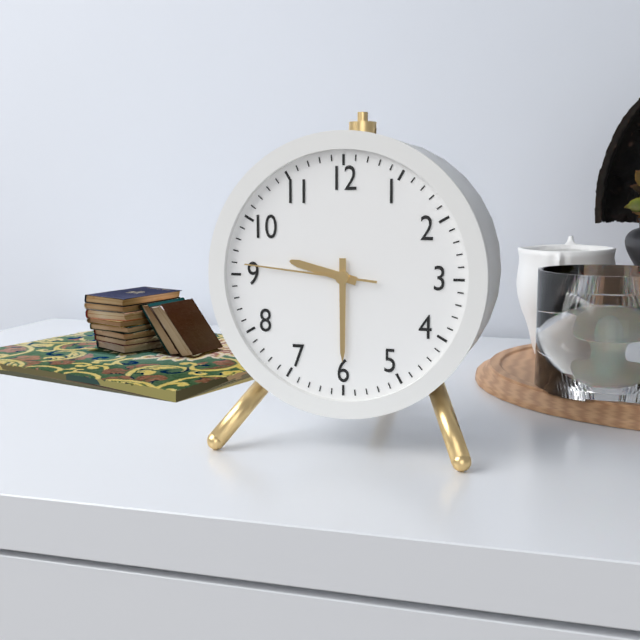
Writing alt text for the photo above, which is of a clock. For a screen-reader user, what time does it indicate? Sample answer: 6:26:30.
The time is 9:30:46
